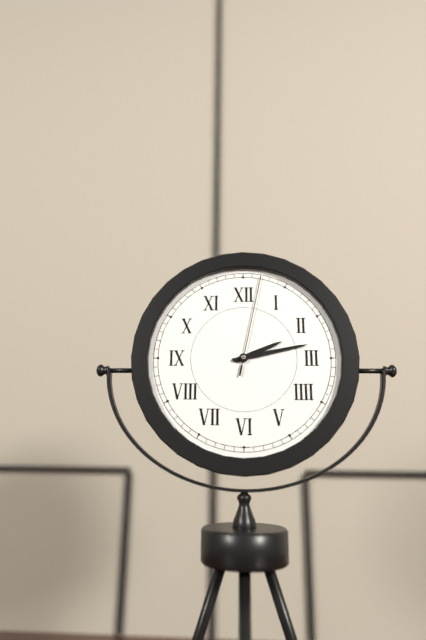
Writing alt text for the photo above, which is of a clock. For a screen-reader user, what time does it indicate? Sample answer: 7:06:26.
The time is 2:13:02
